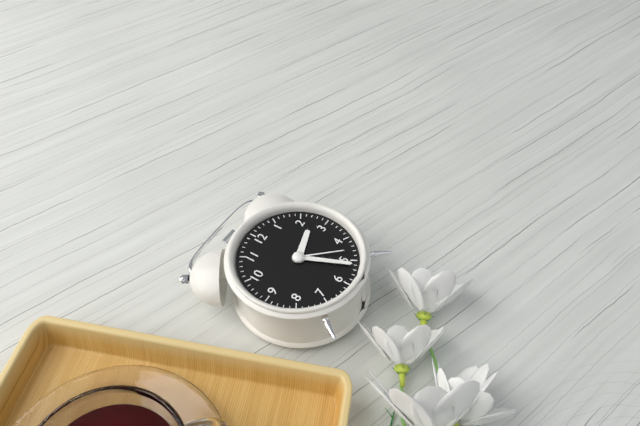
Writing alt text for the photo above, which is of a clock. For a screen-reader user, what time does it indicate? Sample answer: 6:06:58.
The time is 2:26:23
